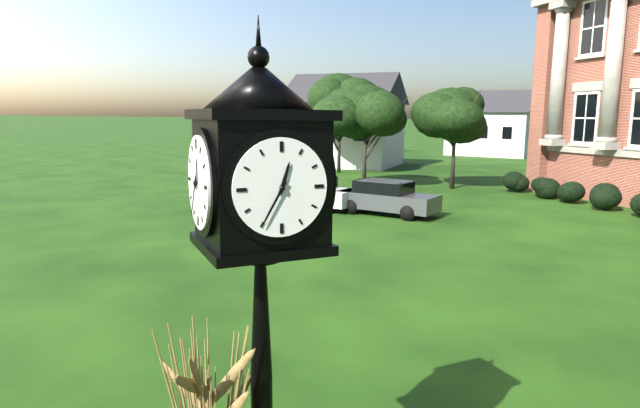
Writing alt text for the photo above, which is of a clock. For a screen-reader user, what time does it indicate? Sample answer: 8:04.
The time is 12:35
